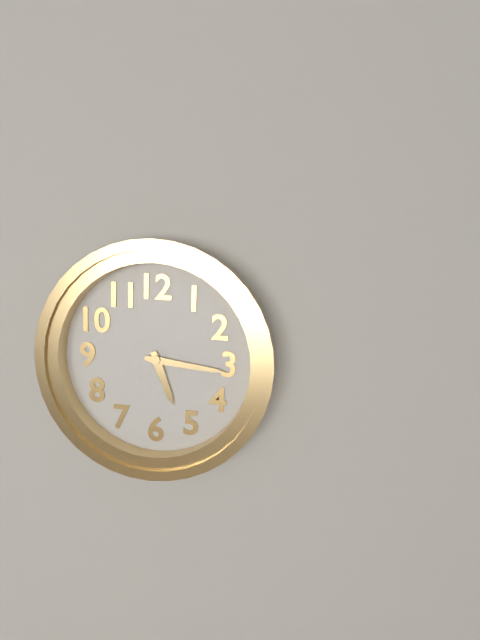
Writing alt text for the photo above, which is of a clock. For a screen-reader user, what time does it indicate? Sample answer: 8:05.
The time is 5:16
